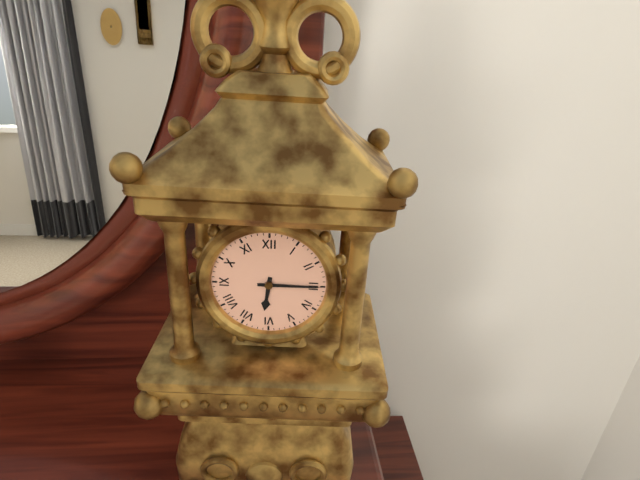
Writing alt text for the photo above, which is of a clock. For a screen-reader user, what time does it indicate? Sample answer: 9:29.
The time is 6:15
